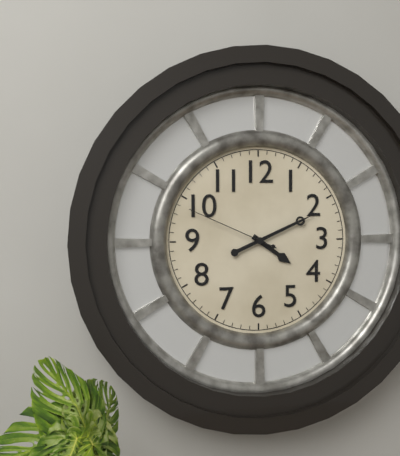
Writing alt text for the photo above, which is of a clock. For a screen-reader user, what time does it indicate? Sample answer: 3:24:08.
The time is 4:11:49
